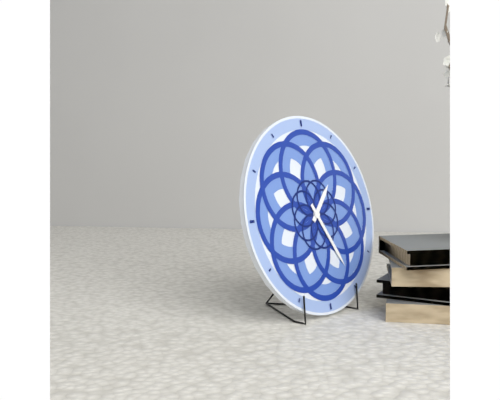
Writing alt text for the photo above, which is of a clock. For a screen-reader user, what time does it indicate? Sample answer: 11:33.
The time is 1:25
